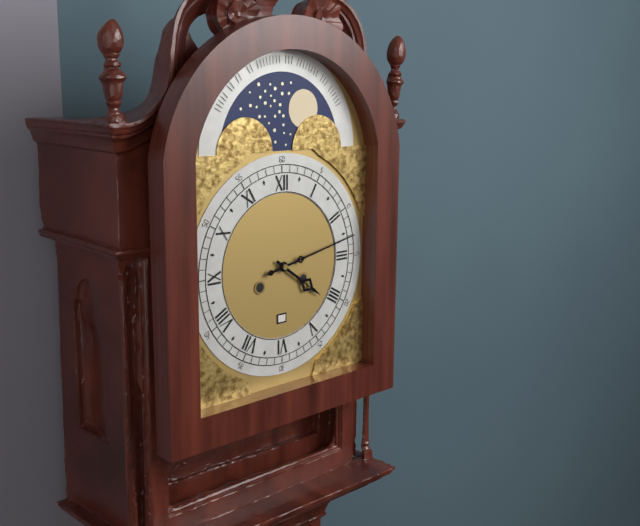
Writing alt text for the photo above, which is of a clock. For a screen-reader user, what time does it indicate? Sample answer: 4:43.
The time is 4:13
